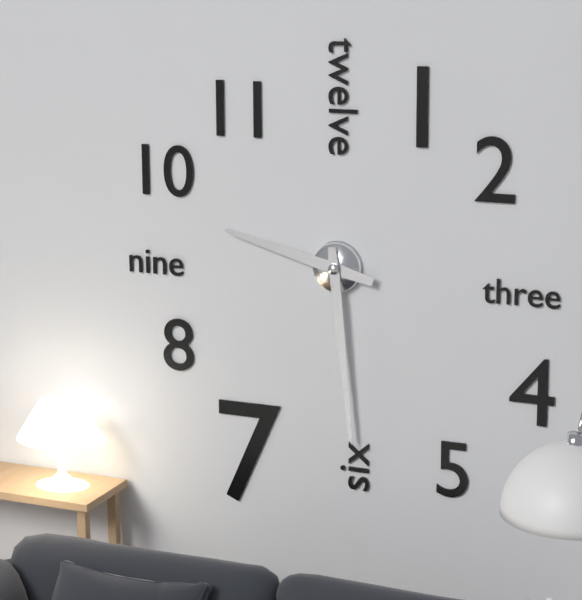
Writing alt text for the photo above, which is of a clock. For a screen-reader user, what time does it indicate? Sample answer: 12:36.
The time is 9:29
